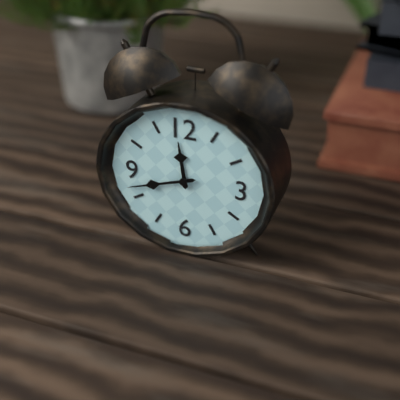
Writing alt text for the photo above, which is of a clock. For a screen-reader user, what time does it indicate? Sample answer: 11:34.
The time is 11:42
